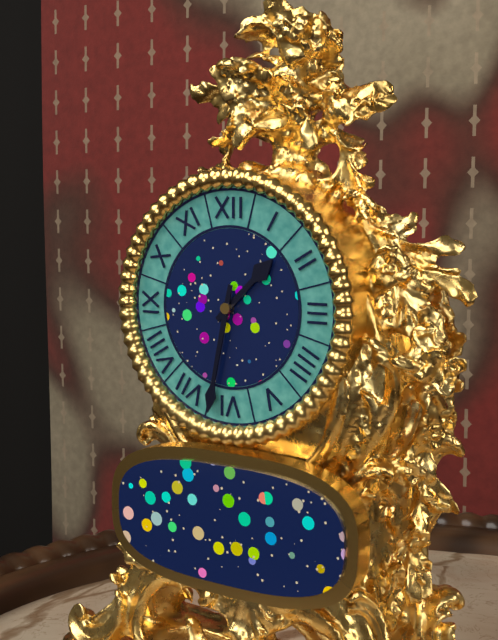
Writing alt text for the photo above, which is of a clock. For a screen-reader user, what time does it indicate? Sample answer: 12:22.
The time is 1:32
